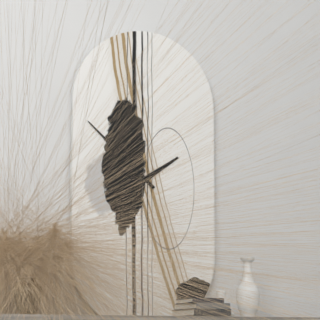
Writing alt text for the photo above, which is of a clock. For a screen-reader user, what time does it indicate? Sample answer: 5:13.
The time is 1:52
